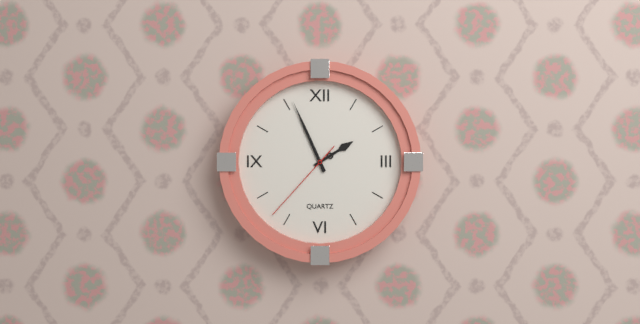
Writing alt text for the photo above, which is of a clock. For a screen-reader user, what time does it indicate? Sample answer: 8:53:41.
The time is 1:56:37
